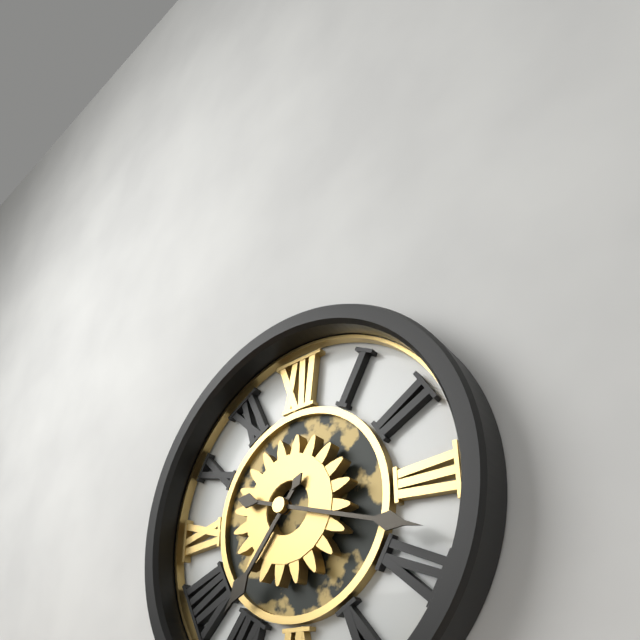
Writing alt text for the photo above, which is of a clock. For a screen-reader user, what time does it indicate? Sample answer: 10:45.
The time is 7:18
